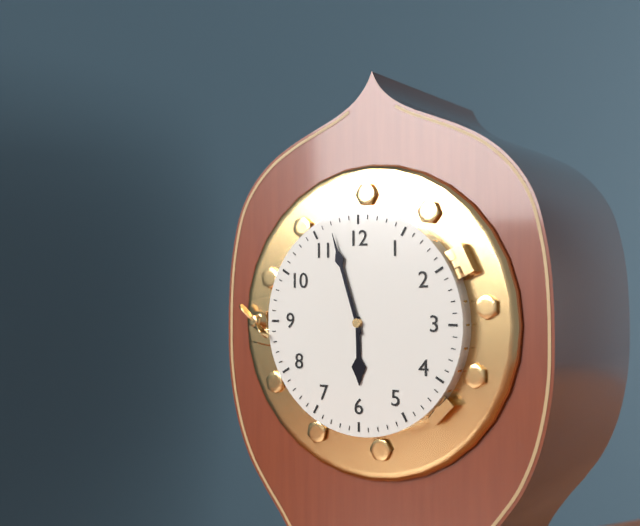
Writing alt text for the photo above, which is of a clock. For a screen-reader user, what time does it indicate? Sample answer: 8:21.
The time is 5:57
